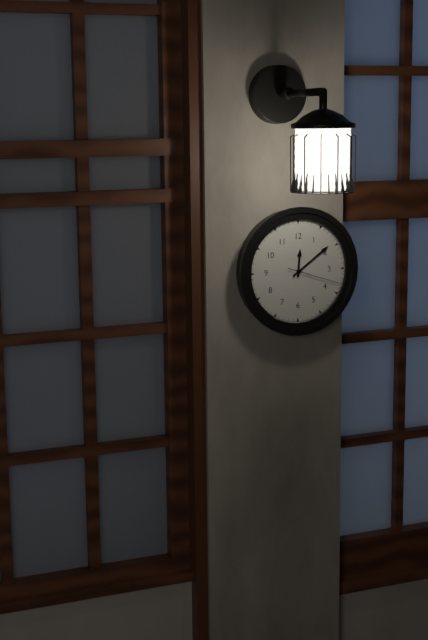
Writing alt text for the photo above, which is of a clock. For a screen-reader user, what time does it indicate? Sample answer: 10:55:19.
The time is 12:09:18
